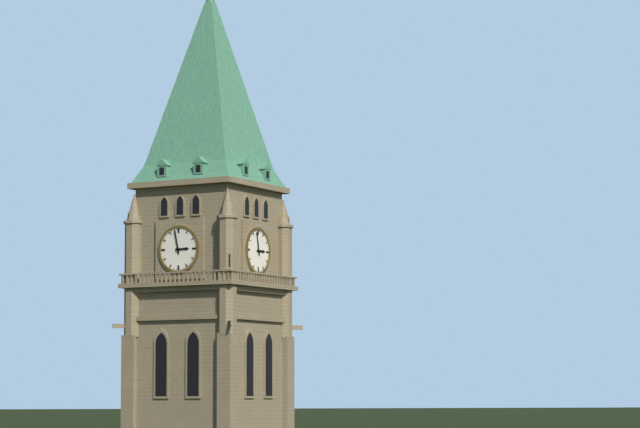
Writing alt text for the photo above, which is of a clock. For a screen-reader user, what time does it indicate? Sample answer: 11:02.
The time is 2:58
